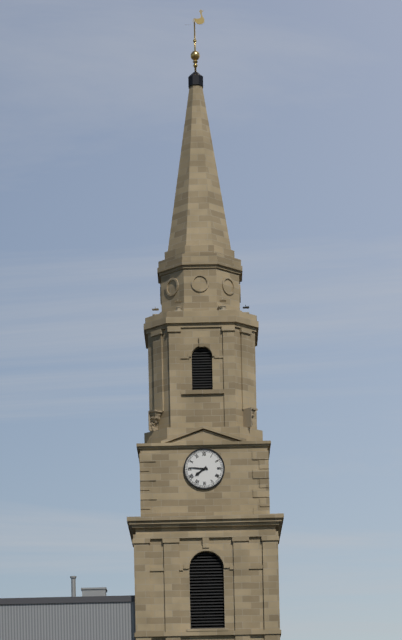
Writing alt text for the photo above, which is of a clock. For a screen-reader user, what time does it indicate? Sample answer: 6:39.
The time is 7:46
